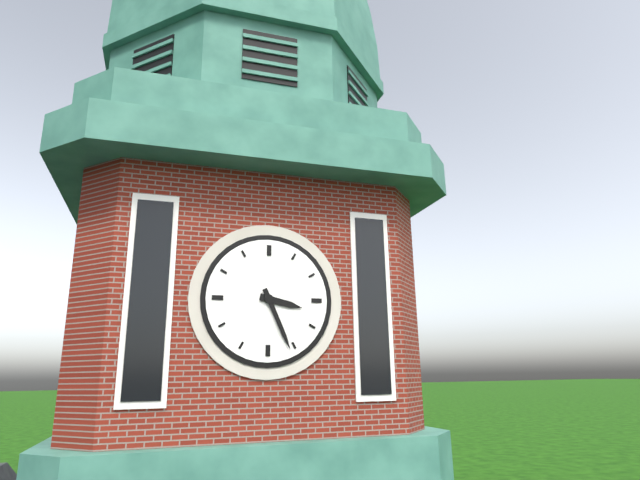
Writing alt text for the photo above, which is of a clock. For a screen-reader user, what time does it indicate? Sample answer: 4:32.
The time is 3:26
